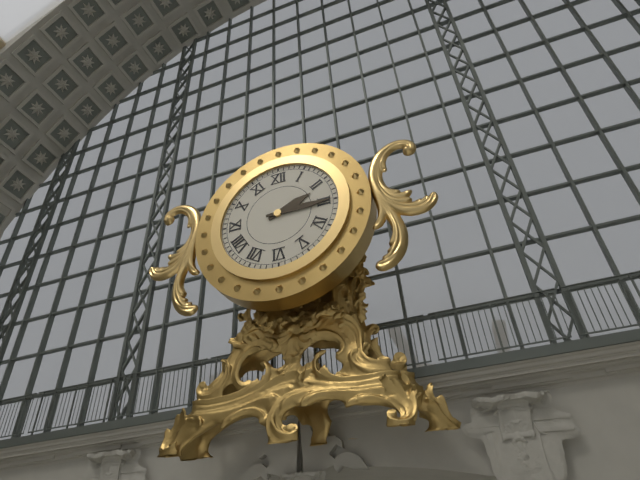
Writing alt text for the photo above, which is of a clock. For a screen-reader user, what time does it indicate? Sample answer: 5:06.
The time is 2:15
